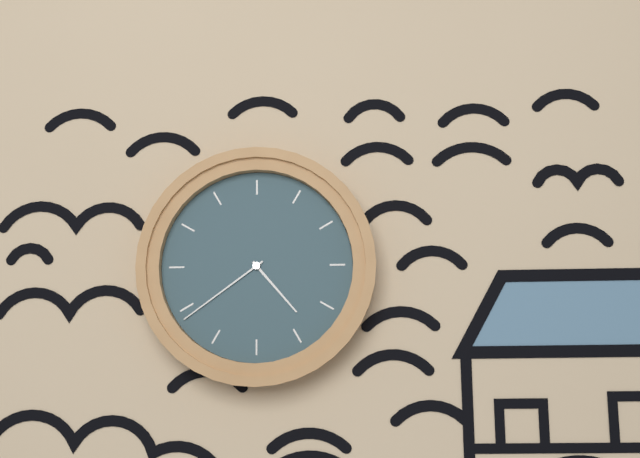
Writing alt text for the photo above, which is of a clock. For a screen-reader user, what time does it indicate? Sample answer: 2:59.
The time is 4:39
